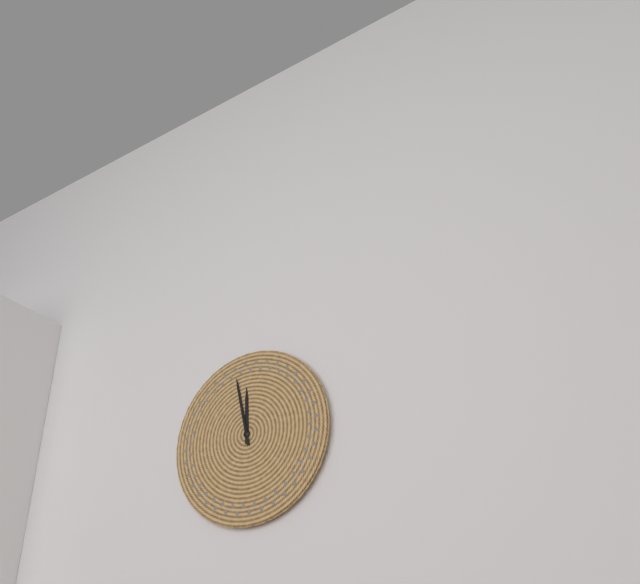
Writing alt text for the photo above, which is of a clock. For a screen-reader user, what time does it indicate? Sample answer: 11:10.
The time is 11:58
